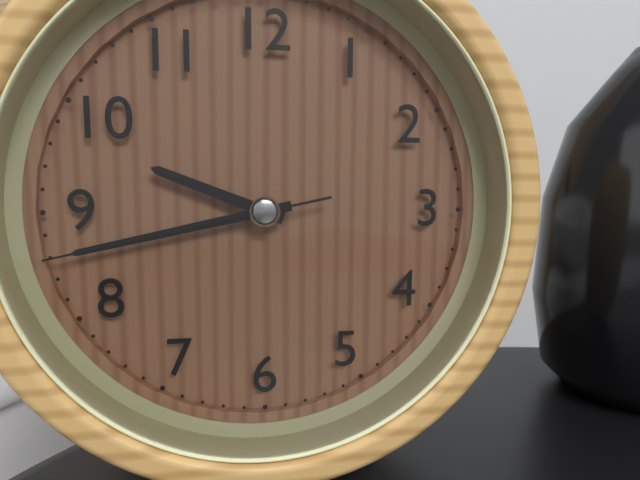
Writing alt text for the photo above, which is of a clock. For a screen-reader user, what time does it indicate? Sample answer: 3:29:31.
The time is 9:43:43
